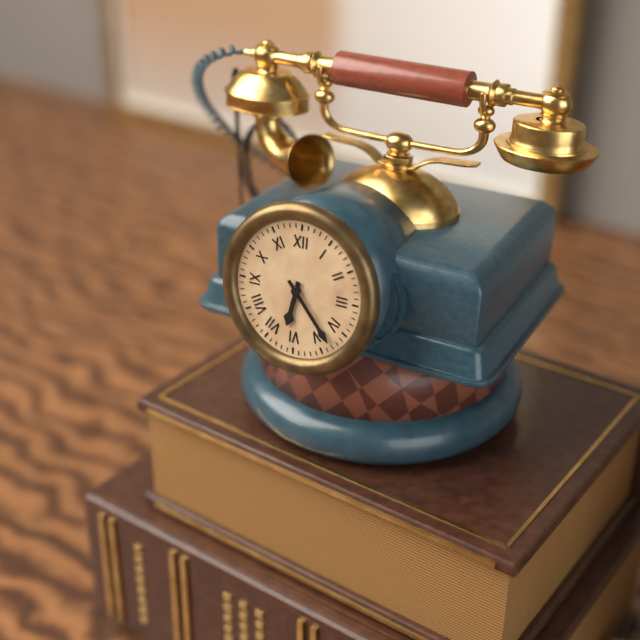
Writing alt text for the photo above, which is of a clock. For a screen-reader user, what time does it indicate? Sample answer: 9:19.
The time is 6:23
